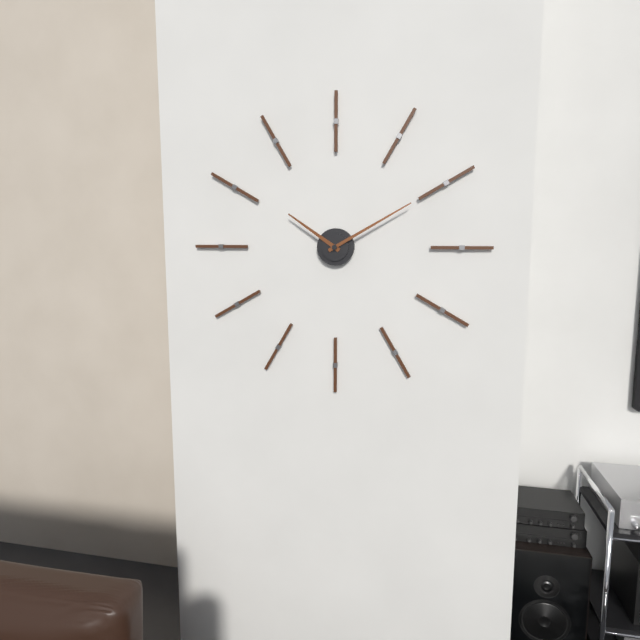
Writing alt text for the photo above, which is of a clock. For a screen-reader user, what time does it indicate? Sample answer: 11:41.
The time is 10:10
